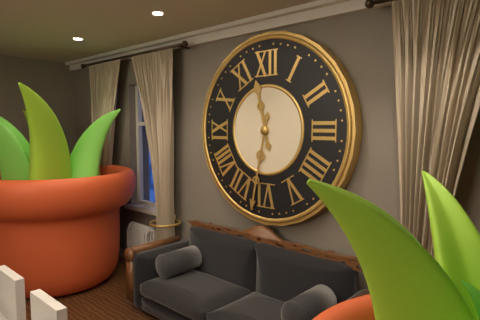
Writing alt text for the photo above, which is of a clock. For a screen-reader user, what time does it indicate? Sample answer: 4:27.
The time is 11:32
